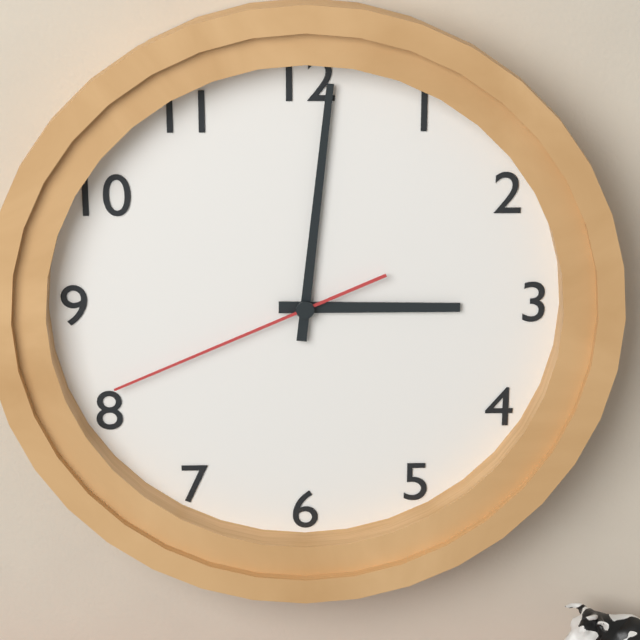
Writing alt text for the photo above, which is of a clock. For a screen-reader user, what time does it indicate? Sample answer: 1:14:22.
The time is 3:01:41
